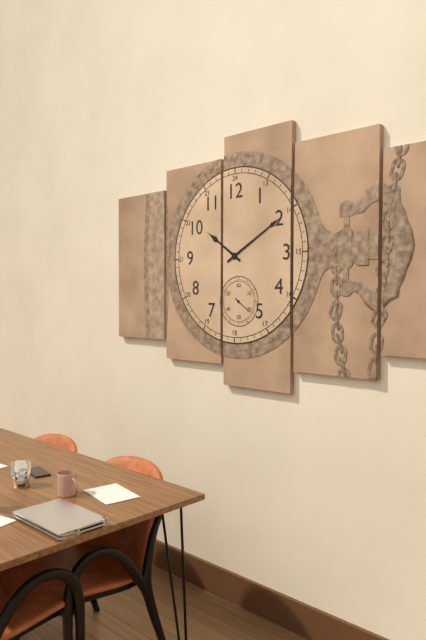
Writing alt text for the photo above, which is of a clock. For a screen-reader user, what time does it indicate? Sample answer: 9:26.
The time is 10:10
